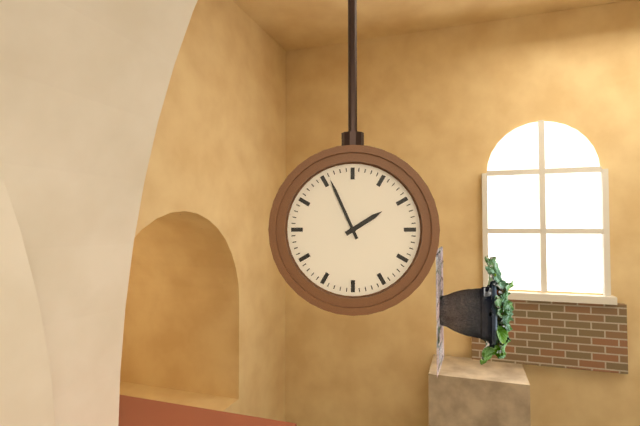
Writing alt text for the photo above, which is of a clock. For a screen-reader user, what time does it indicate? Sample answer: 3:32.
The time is 1:56
